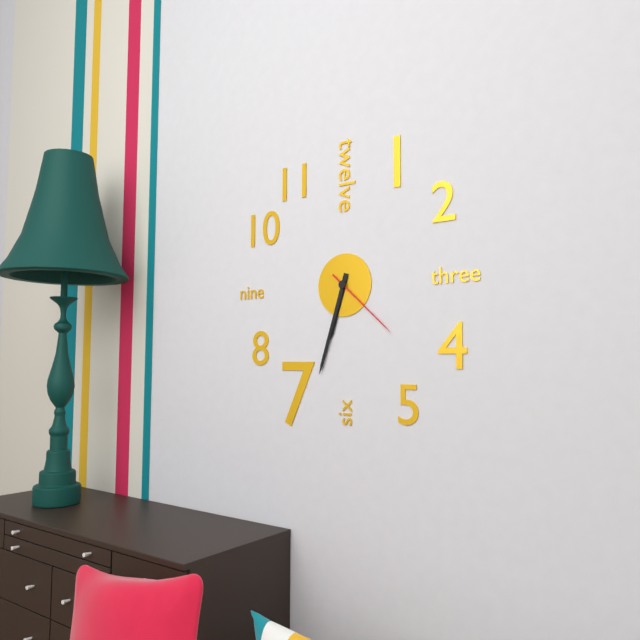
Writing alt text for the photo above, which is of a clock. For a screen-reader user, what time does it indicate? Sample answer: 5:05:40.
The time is 6:33:22
